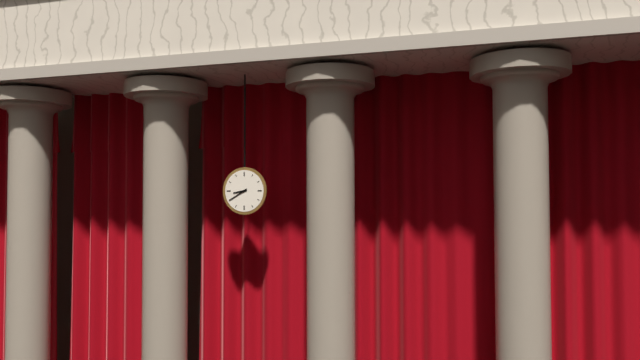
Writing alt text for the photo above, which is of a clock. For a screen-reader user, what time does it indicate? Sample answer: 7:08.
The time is 8:40
